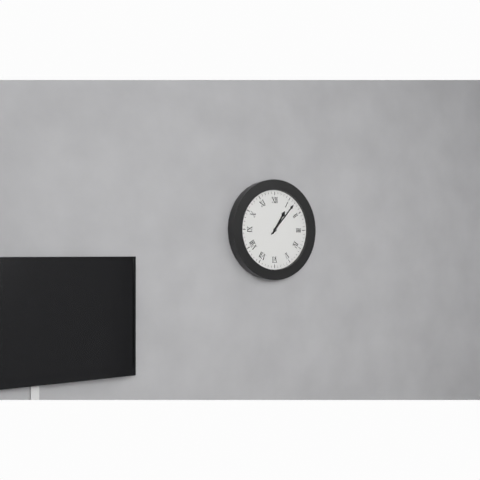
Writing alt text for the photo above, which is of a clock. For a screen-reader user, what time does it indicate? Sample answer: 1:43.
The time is 1:07
